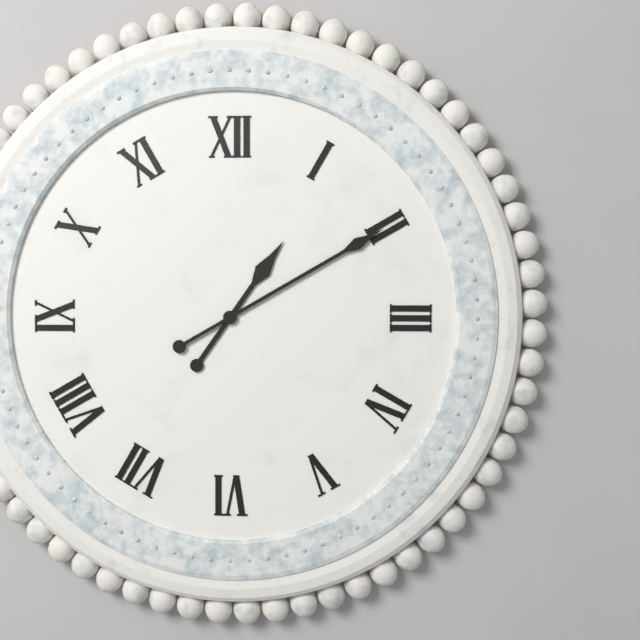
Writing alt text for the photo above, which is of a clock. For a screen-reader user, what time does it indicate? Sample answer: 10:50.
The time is 1:10
